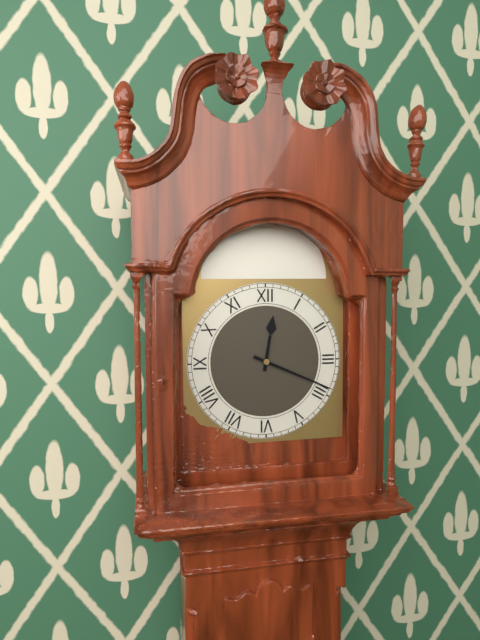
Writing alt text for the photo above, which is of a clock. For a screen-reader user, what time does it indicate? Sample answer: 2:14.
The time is 12:19
